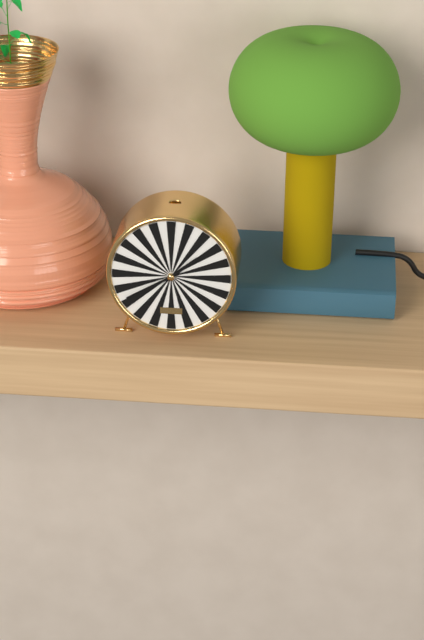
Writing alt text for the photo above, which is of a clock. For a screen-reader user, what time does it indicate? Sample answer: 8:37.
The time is 1:40
